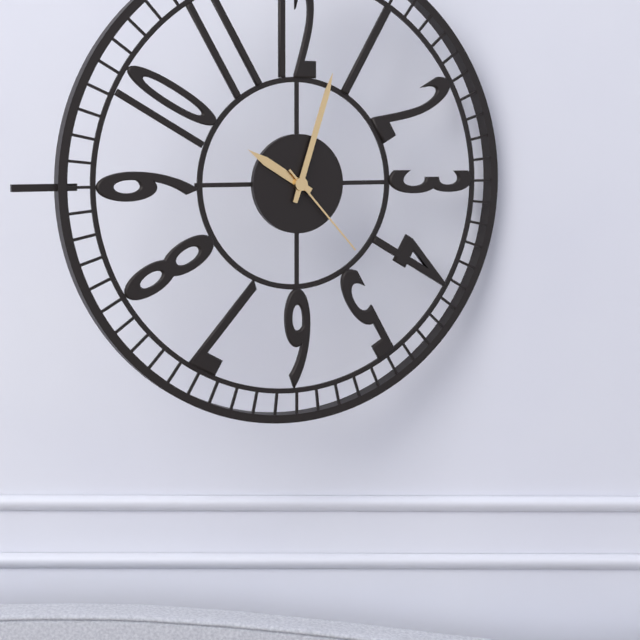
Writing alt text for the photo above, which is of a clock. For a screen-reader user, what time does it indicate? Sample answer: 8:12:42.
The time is 10:03:23
